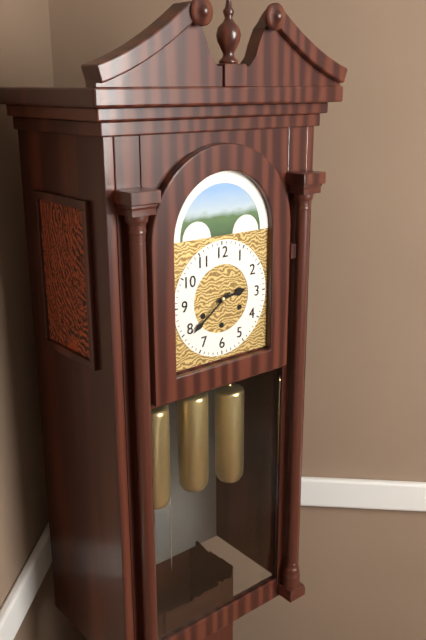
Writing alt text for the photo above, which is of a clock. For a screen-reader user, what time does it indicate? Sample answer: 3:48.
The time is 2:39
